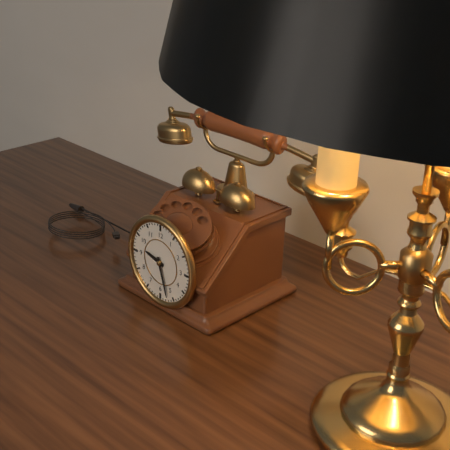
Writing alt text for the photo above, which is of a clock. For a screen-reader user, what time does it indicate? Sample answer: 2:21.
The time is 9:27
